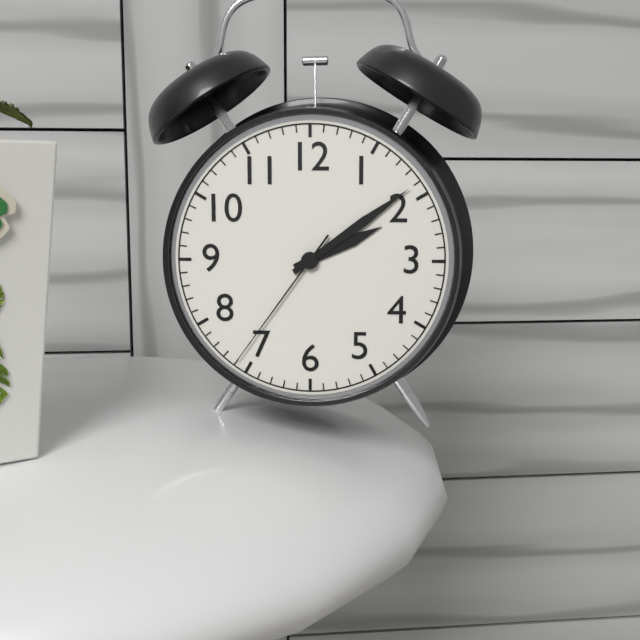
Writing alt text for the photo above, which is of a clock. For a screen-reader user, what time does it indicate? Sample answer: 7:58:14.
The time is 2:09:36
